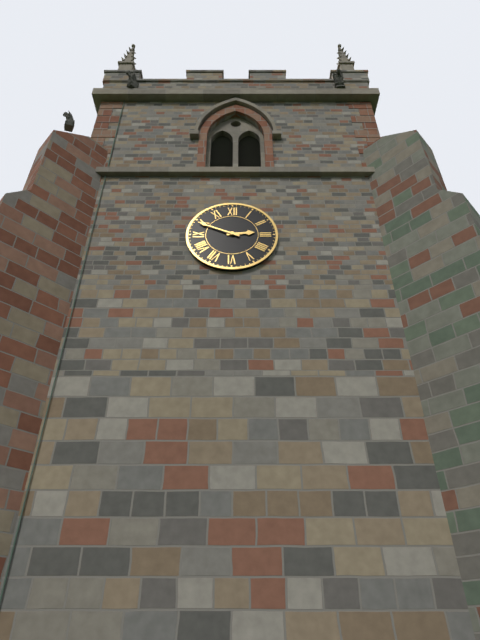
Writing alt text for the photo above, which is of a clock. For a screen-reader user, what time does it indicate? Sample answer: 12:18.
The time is 2:49
